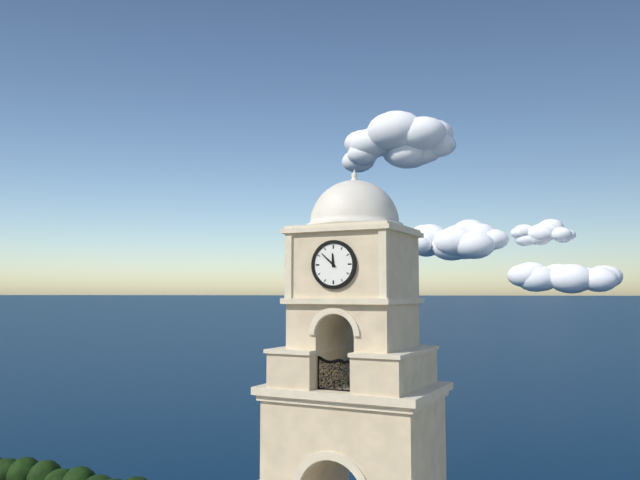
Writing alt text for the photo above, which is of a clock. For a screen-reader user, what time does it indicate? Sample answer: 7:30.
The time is 11:52
